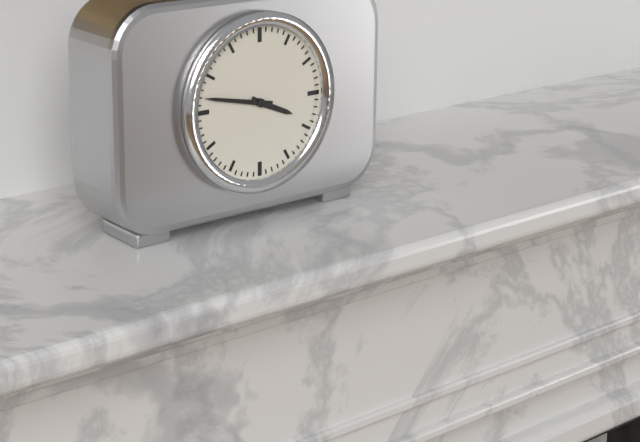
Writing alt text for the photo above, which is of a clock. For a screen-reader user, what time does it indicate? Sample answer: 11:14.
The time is 3:47
